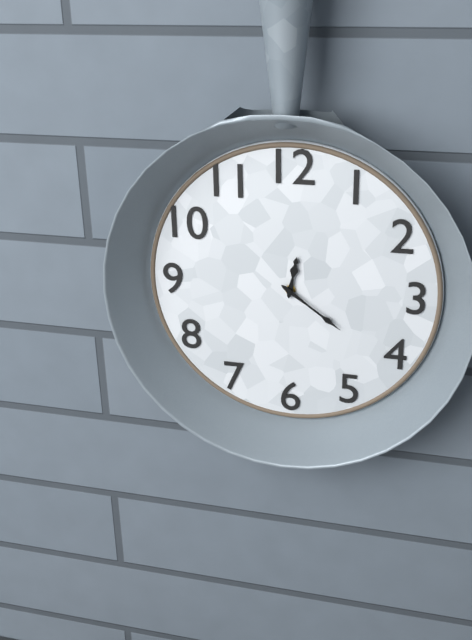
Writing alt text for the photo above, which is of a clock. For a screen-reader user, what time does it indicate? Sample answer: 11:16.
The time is 12:21
